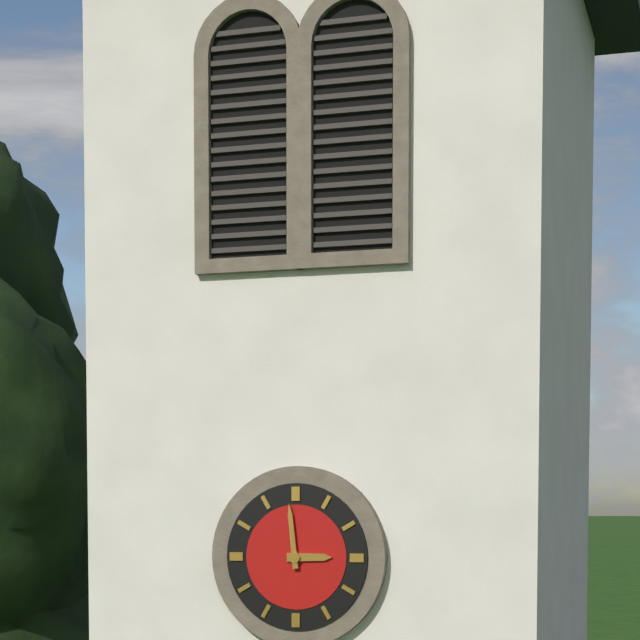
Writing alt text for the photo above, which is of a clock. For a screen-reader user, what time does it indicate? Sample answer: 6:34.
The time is 2:59
